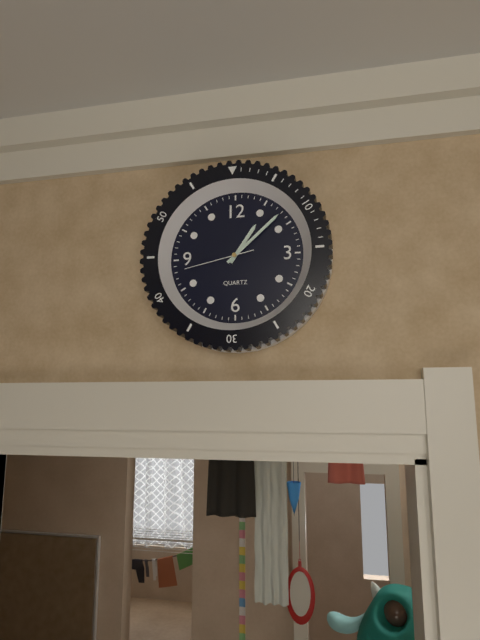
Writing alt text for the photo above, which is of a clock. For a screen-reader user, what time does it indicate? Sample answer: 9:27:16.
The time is 1:08:43
